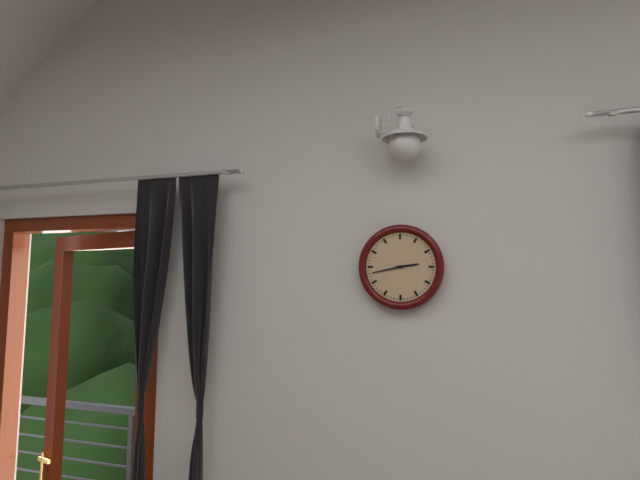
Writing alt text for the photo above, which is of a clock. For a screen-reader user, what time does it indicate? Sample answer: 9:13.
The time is 2:43
